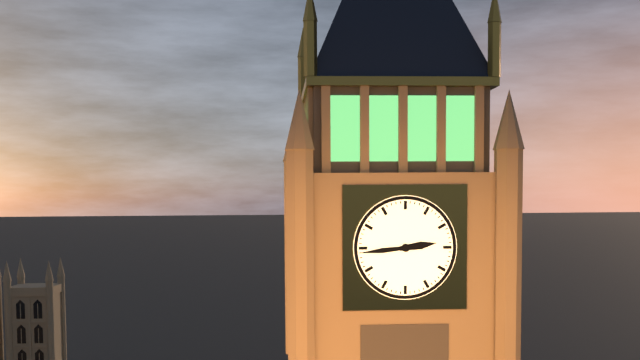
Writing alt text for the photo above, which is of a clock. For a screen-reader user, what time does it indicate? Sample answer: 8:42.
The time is 2:44
